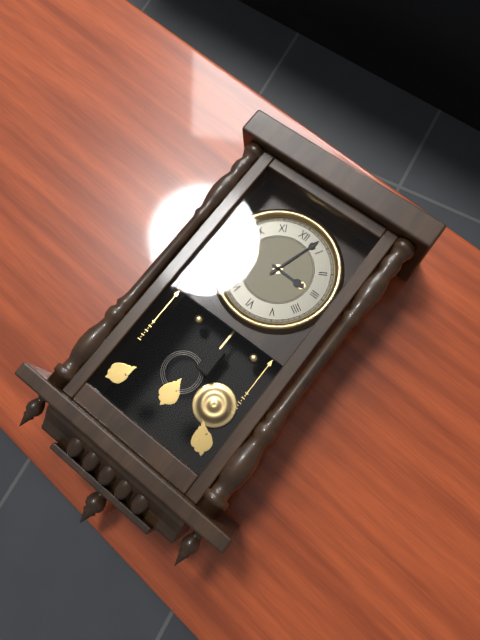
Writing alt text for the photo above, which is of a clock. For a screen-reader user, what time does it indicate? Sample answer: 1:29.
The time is 3:03
